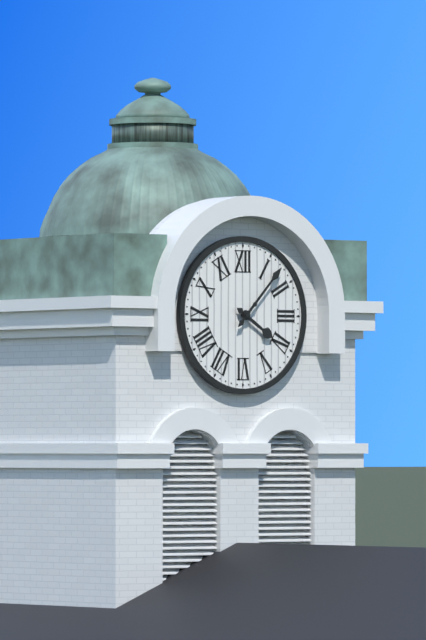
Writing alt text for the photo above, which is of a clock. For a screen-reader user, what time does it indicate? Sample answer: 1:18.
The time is 4:07
